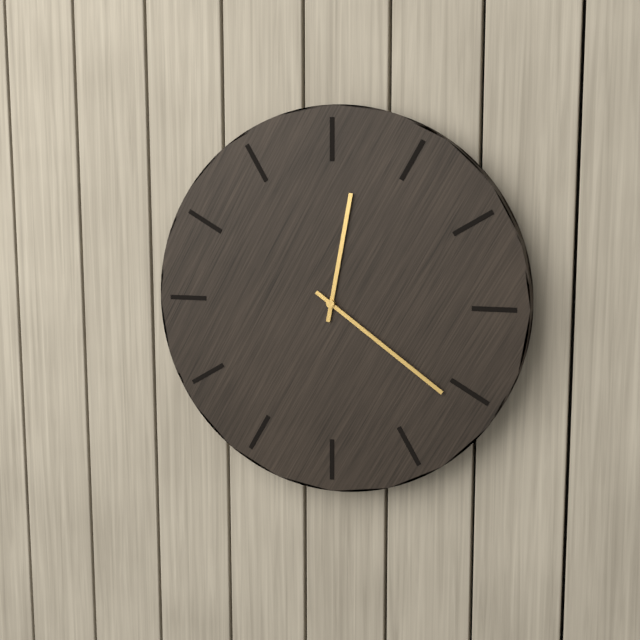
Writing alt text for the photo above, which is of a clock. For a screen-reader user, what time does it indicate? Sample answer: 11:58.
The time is 12:21
